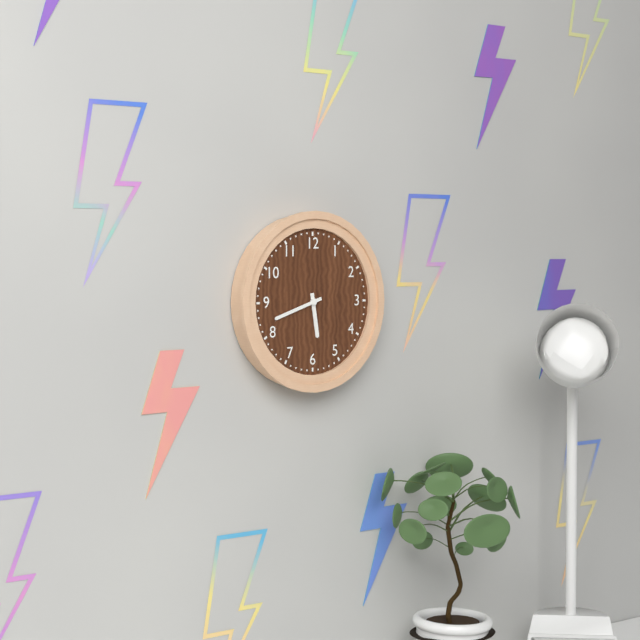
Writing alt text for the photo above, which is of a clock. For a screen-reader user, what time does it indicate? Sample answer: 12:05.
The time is 5:42
